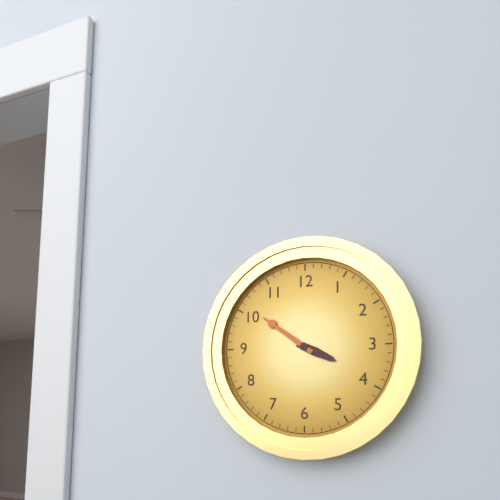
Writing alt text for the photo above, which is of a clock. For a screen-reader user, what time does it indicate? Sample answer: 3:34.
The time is 3:51
